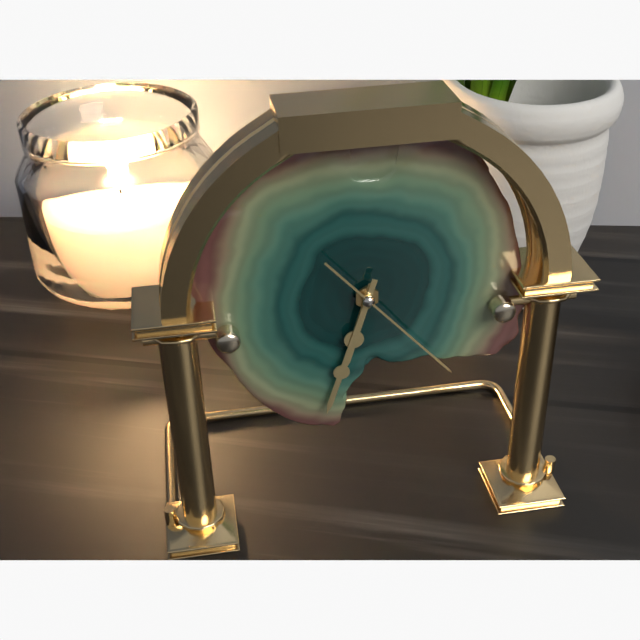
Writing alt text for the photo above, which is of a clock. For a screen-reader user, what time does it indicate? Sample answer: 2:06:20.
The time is 6:33:23
